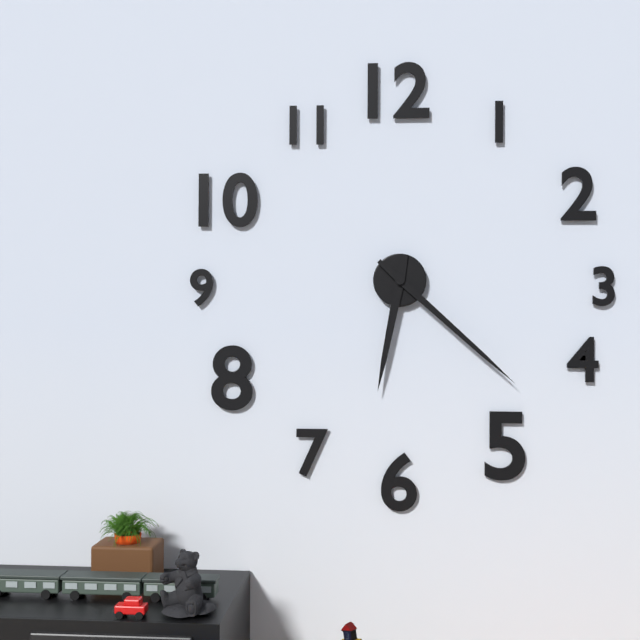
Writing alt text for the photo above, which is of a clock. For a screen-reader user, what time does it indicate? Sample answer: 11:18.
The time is 6:22
